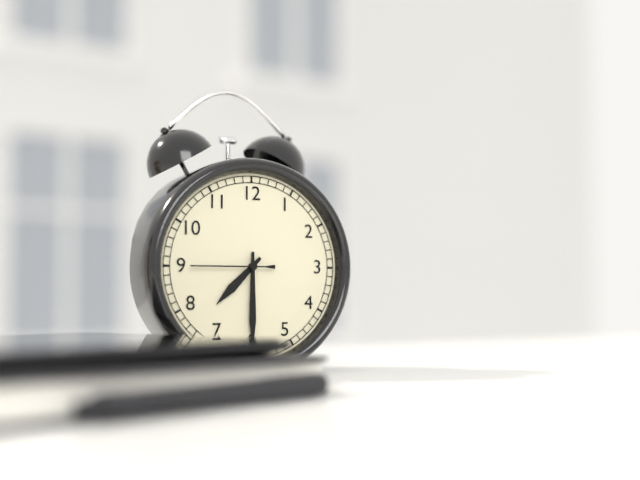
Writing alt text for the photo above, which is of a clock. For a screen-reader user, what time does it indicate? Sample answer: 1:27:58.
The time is 7:30:45
